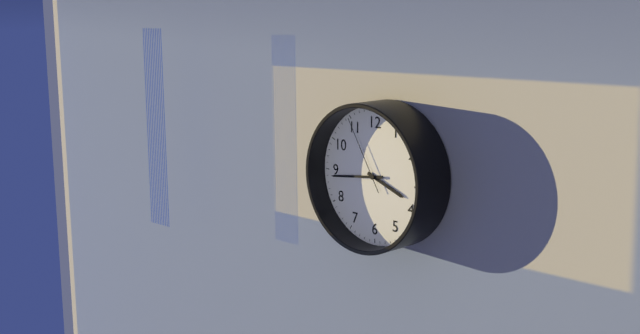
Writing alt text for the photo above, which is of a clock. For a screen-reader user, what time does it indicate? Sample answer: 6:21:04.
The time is 3:44:55
